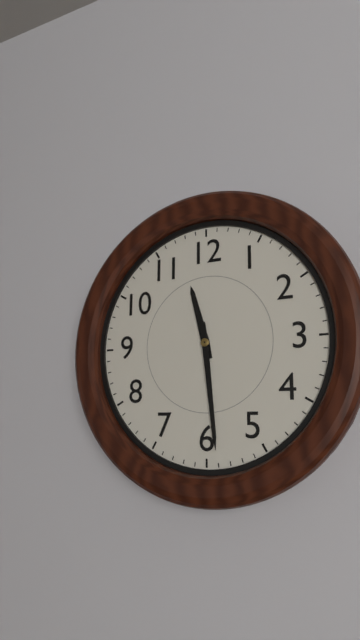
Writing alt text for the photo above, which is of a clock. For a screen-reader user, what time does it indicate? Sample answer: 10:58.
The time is 11:29
